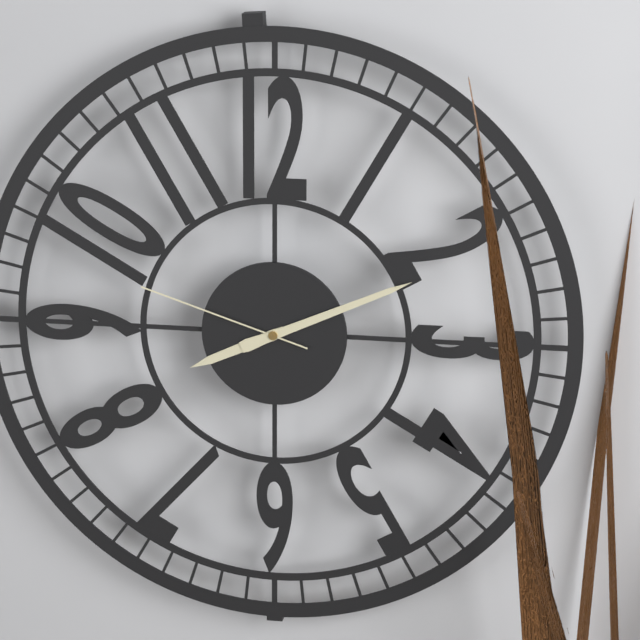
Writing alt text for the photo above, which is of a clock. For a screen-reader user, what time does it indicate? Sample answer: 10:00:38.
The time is 8:11:48
